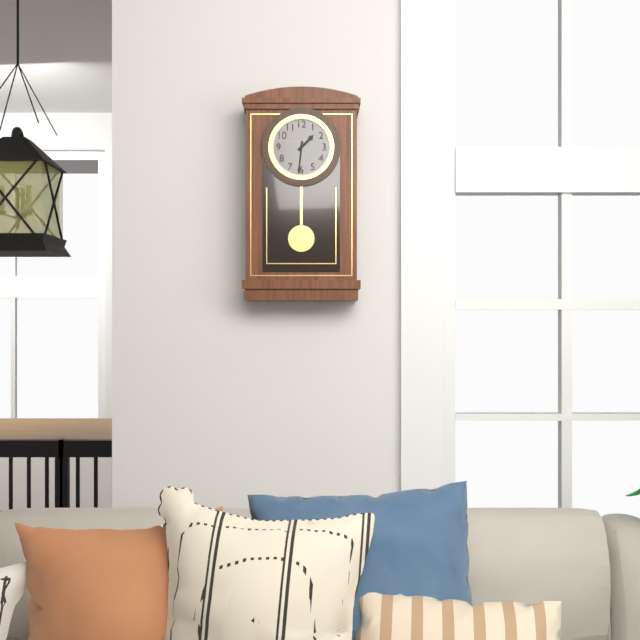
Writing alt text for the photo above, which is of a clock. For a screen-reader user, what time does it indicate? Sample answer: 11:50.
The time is 1:31
